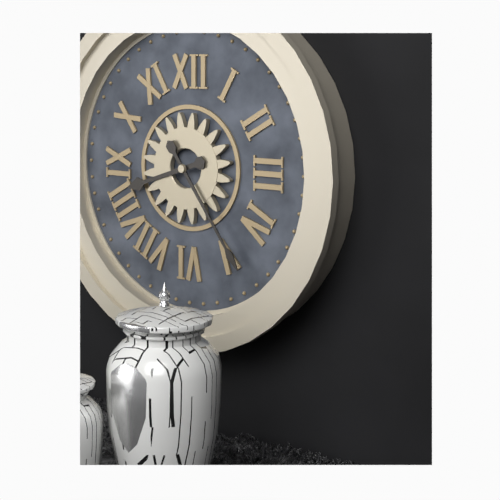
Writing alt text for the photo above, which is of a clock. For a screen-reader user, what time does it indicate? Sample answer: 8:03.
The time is 8:24
